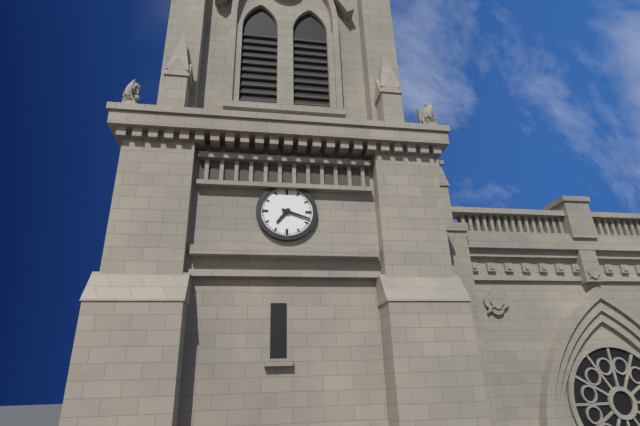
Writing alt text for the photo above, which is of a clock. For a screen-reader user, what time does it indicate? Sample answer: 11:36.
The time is 7:18
